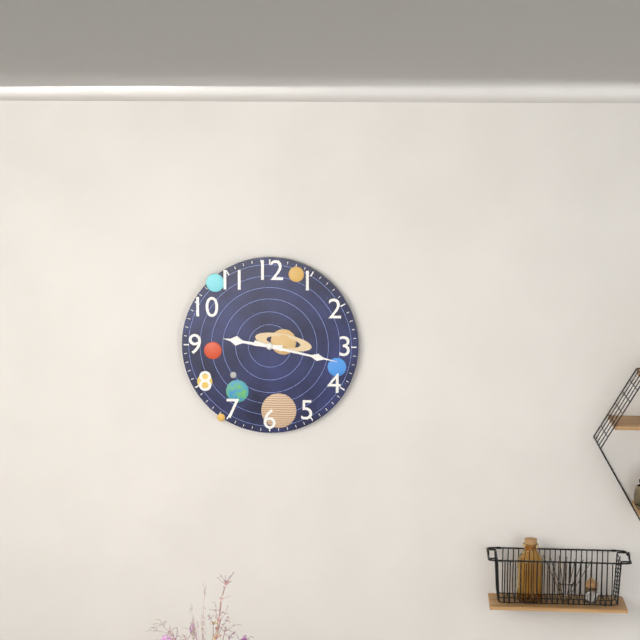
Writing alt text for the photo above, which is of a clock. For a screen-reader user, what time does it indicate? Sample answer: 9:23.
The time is 9:17
